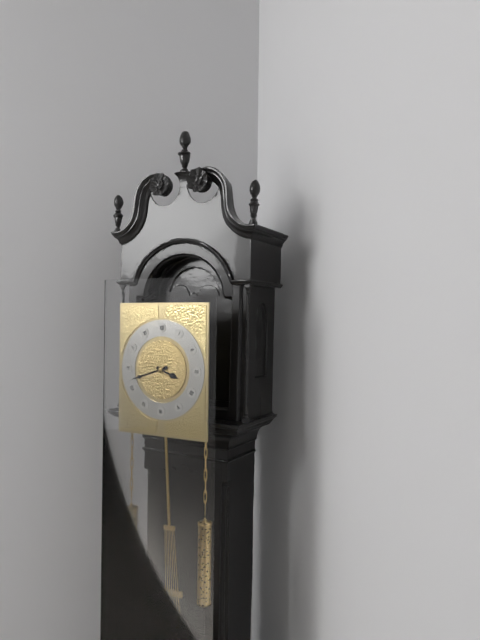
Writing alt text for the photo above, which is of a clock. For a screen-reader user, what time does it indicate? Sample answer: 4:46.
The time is 3:42
